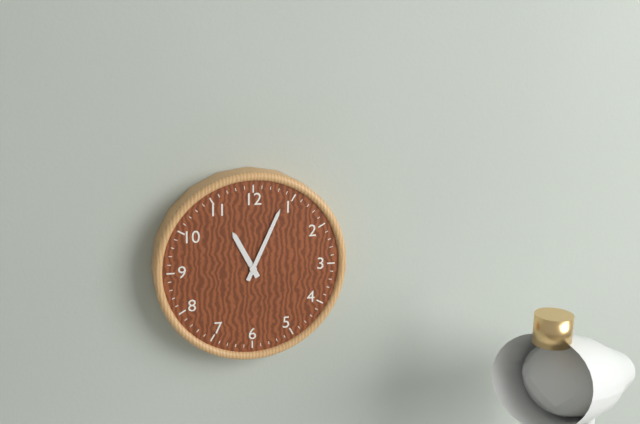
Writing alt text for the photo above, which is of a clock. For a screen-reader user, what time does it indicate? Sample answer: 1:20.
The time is 11:04
